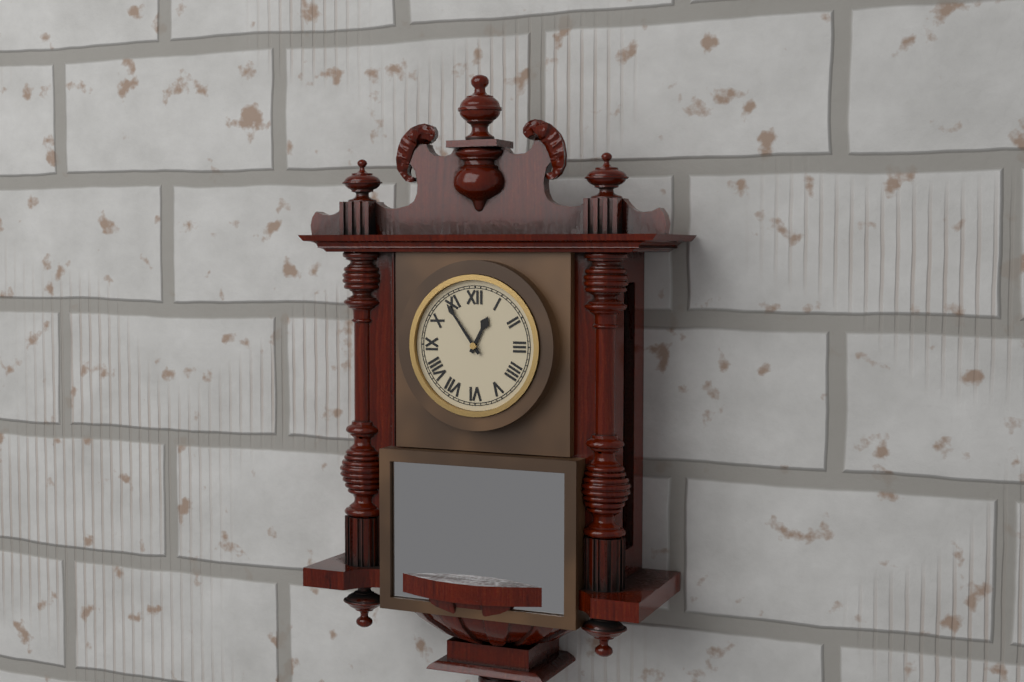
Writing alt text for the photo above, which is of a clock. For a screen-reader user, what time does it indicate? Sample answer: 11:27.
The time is 12:54
